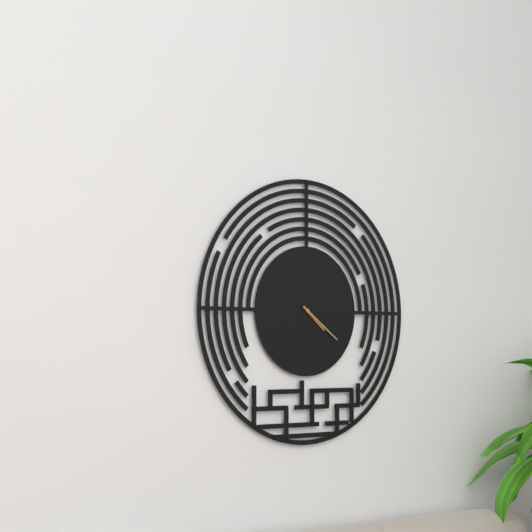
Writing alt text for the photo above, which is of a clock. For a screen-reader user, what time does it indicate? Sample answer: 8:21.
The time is 4:21
